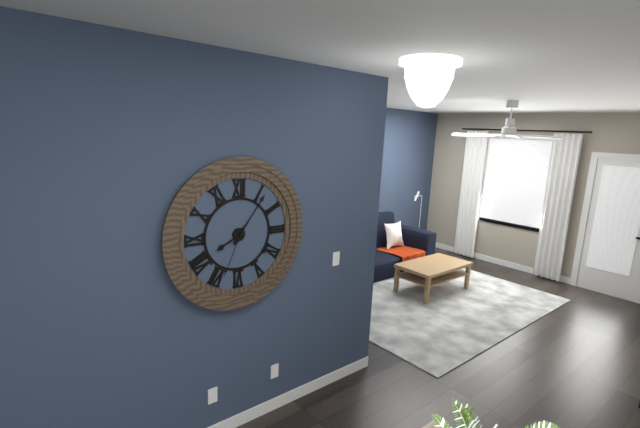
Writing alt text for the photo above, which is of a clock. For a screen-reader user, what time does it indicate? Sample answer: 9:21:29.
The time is 8:06:34
